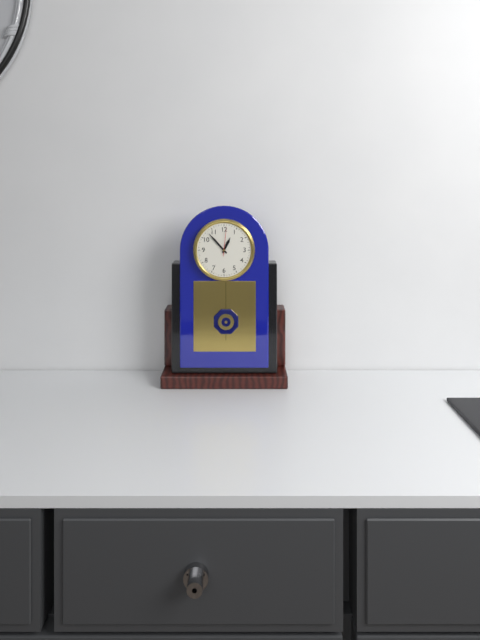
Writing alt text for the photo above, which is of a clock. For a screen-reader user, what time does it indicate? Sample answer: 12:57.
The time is 12:53
